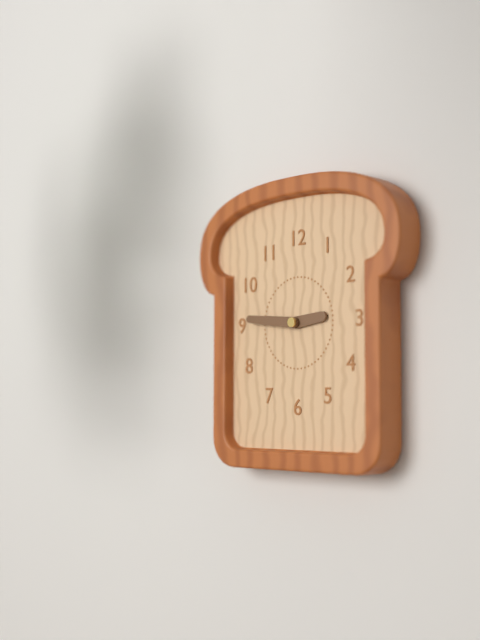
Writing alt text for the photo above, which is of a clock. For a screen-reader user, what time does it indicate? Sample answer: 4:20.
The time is 2:46
